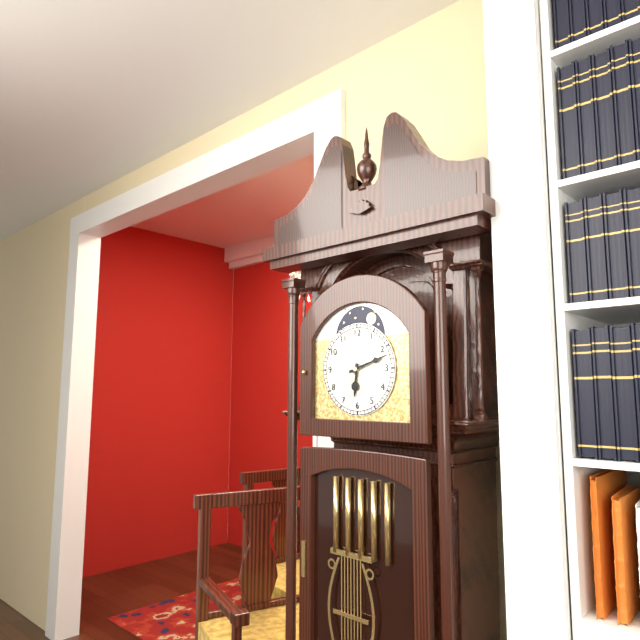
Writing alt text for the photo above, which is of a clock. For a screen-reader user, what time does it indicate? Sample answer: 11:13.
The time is 6:12
